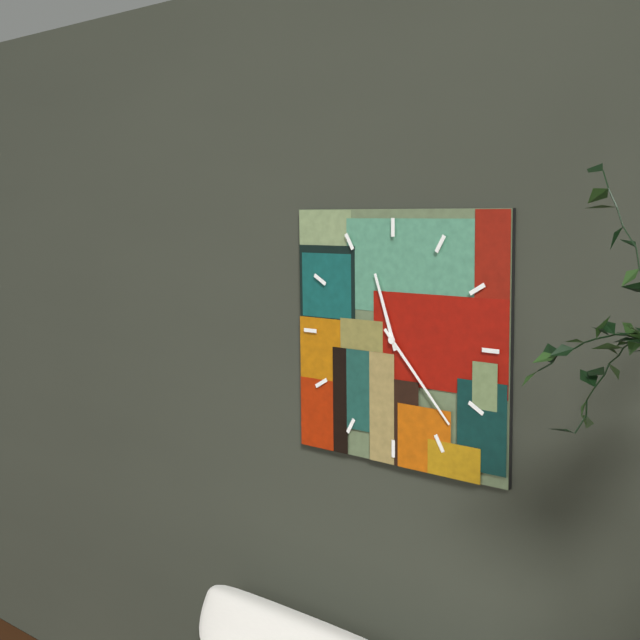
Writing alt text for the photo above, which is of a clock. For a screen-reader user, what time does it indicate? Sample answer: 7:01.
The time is 11:23
